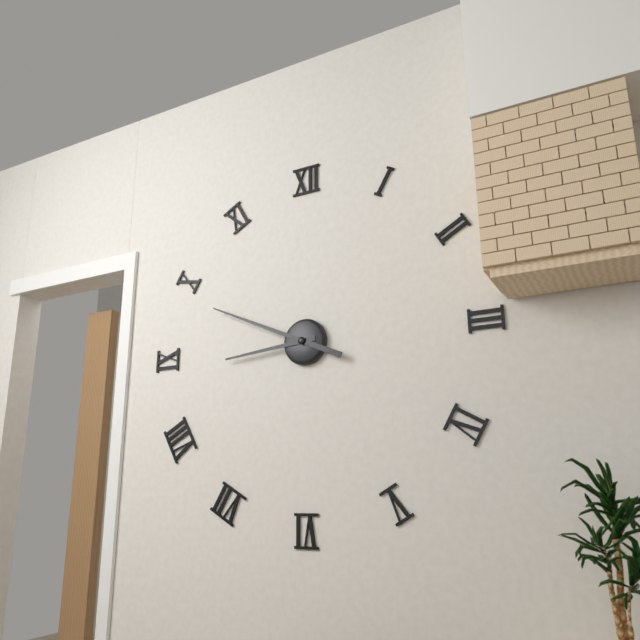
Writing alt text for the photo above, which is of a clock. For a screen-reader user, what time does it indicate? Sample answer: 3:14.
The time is 8:49
